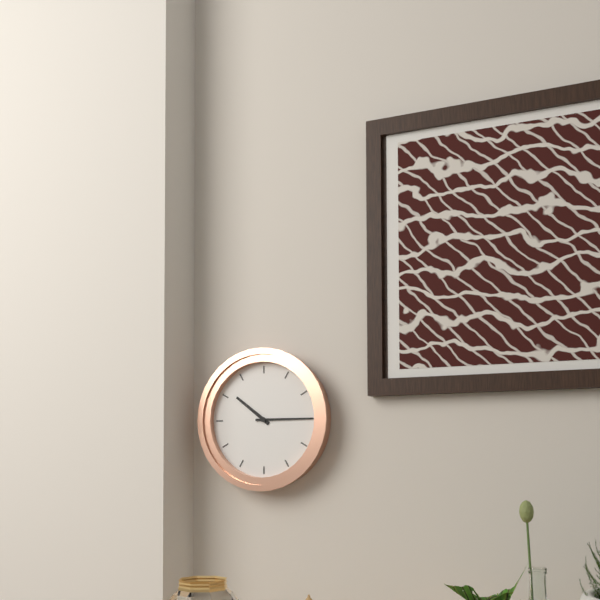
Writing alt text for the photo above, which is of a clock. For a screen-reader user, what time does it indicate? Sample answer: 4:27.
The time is 10:15
